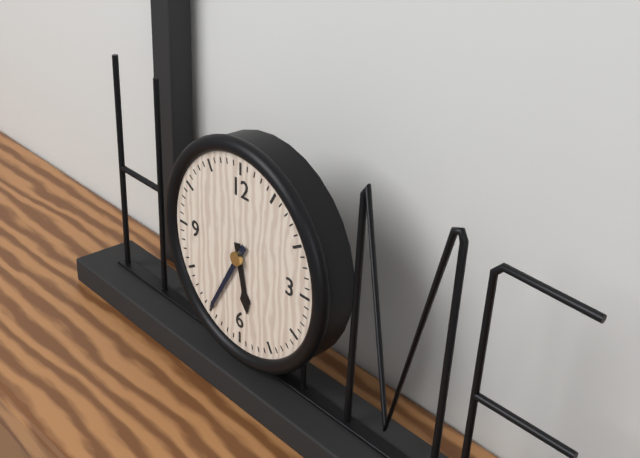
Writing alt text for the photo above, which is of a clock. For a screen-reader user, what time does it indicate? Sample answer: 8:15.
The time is 5:35
